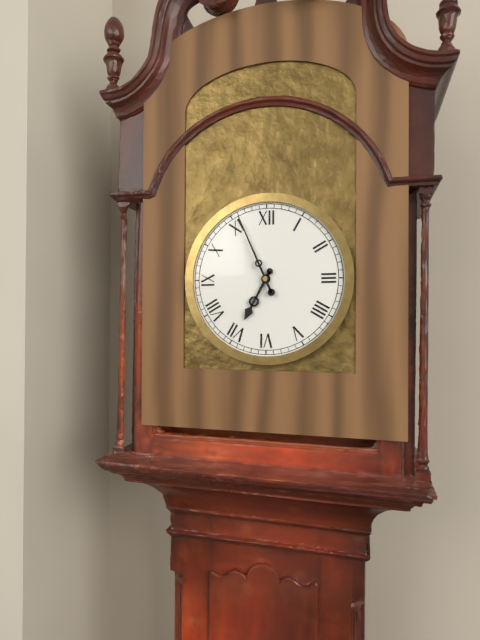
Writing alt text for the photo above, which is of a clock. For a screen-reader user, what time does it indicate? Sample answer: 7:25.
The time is 6:56
